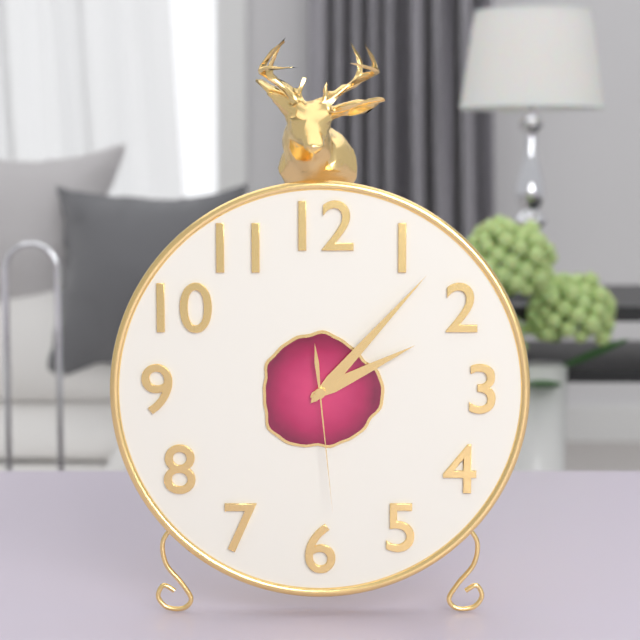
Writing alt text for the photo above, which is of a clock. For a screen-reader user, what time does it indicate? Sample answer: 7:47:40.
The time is 2:07:29
